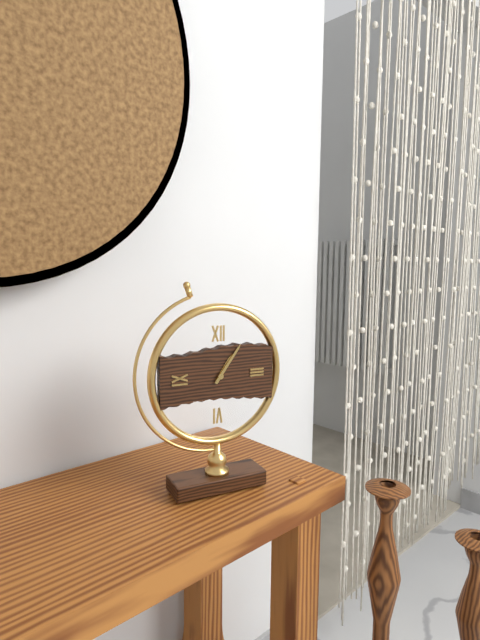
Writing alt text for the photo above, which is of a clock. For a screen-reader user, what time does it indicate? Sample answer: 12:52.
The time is 1:06
